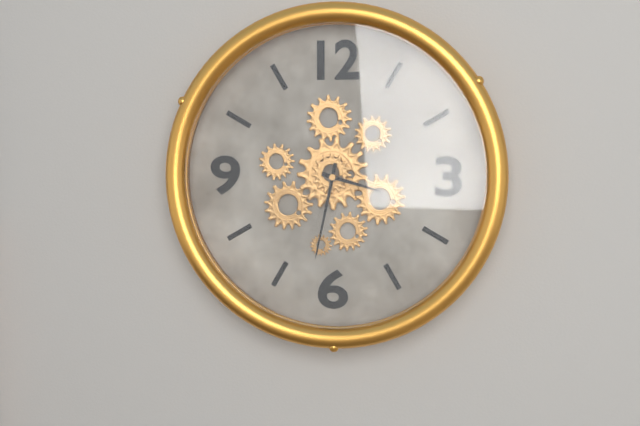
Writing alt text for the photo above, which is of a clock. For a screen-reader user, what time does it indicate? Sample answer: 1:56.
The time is 3:32
